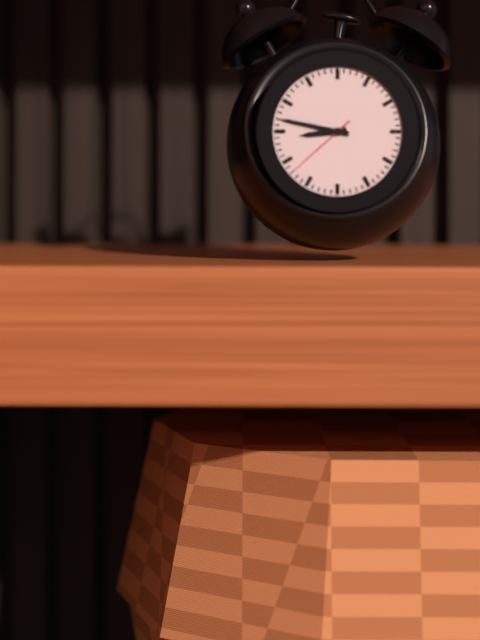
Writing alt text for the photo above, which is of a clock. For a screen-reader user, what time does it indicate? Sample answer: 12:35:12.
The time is 8:47:38
